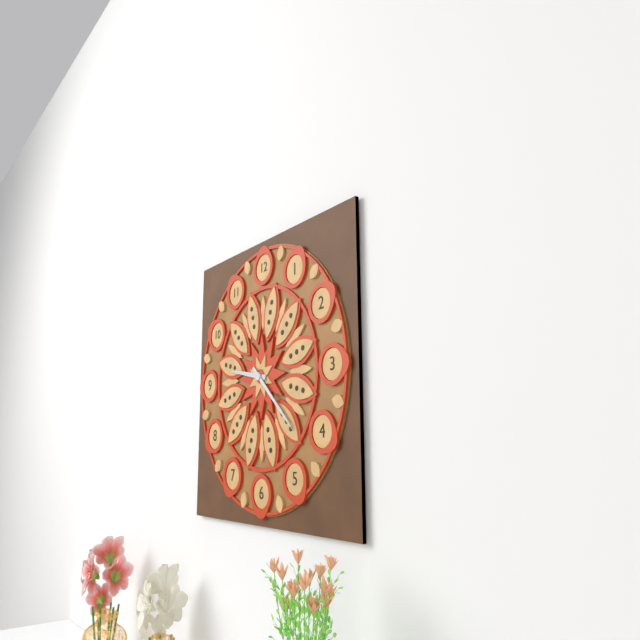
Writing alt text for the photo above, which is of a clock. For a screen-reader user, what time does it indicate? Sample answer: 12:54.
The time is 9:22
